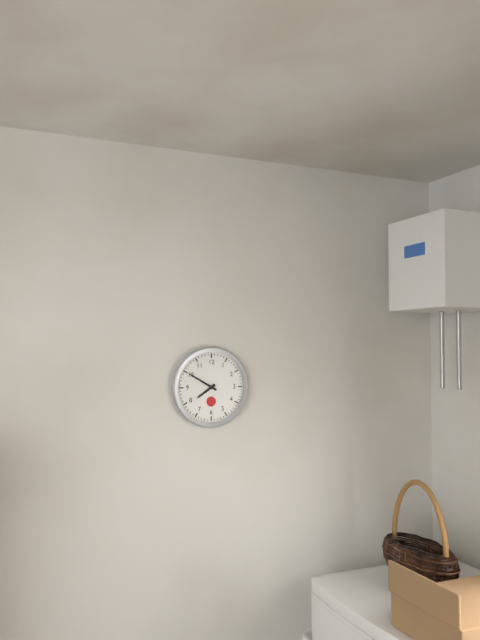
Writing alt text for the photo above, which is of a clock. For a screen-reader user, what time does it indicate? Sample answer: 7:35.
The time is 7:50
